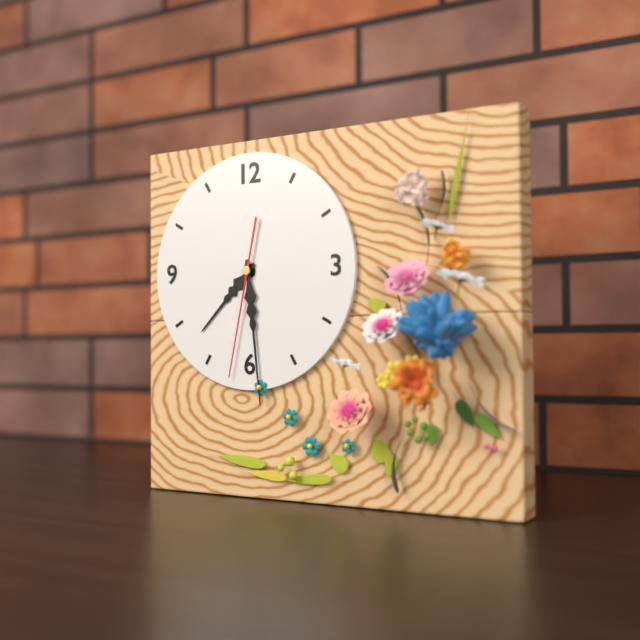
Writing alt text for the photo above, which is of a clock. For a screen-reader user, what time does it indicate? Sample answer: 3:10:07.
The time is 7:29:32
